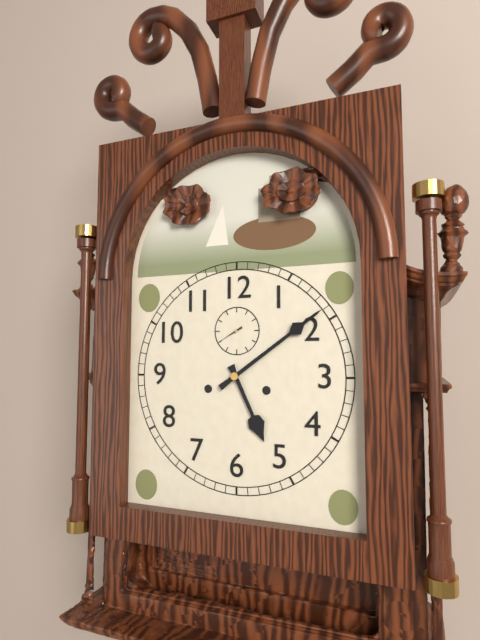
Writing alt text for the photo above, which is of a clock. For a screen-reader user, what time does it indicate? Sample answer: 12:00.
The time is 5:09
